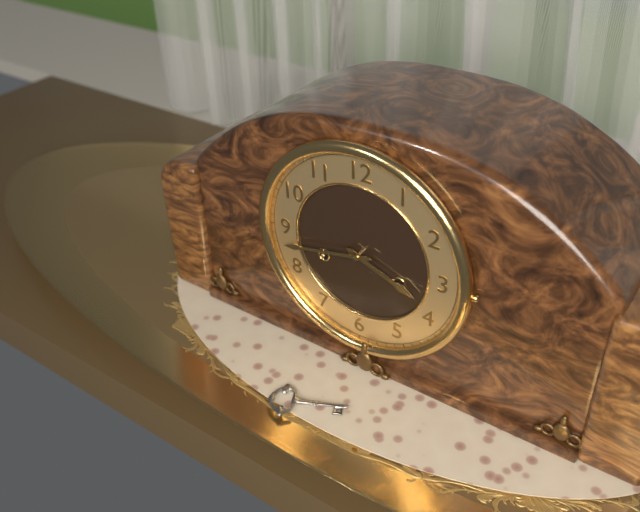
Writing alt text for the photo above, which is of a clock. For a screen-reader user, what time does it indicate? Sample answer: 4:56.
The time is 3:43
